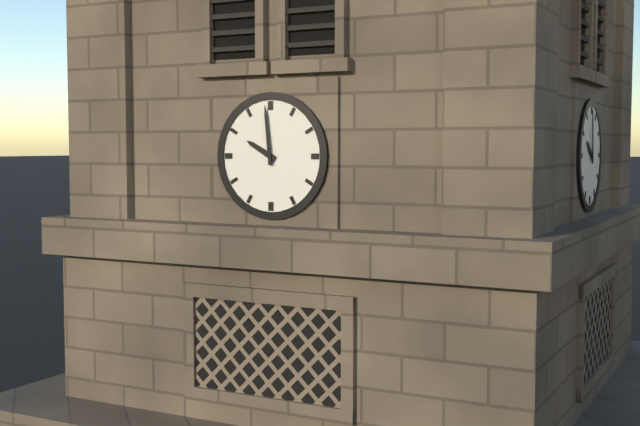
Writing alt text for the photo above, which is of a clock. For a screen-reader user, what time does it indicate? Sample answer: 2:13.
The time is 9:59
